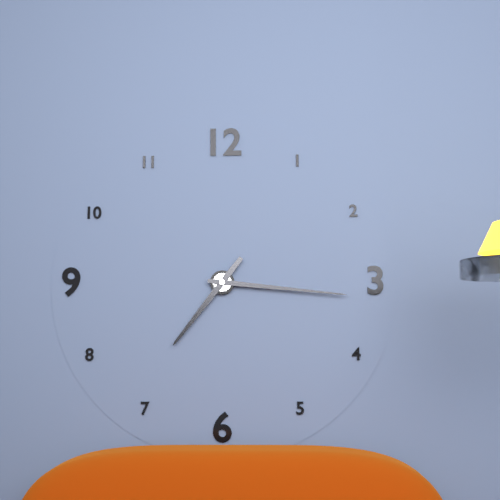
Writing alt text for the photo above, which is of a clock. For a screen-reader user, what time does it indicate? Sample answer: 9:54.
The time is 7:16
